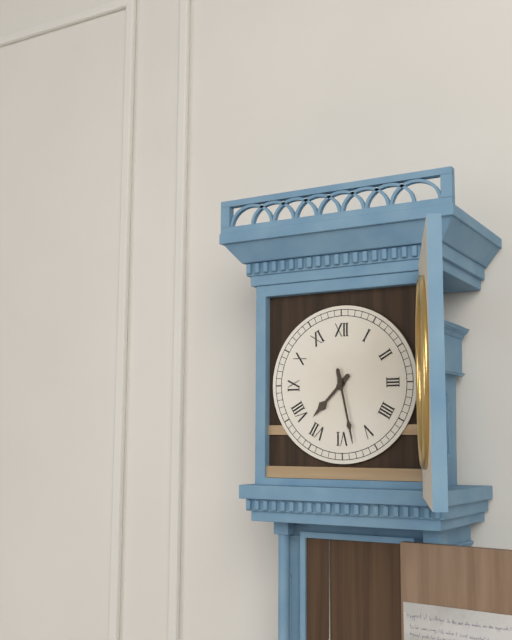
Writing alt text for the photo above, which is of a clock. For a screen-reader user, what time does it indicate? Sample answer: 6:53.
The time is 7:28
